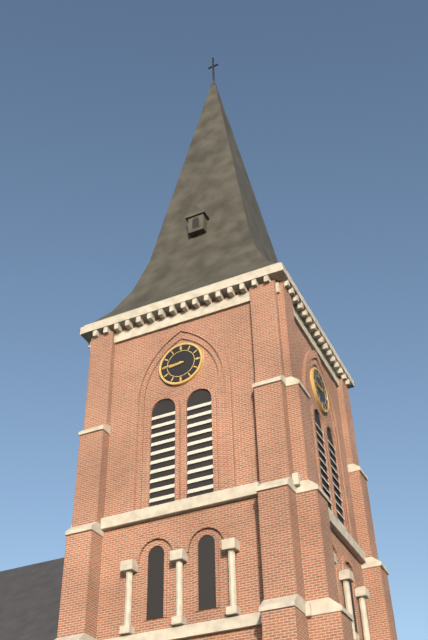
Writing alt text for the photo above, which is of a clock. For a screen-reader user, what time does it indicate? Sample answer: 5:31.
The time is 8:45
